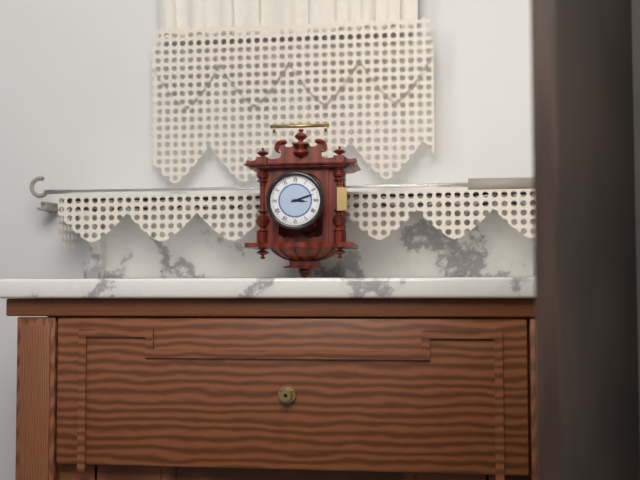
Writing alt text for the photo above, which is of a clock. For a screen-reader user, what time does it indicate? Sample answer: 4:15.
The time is 3:12
